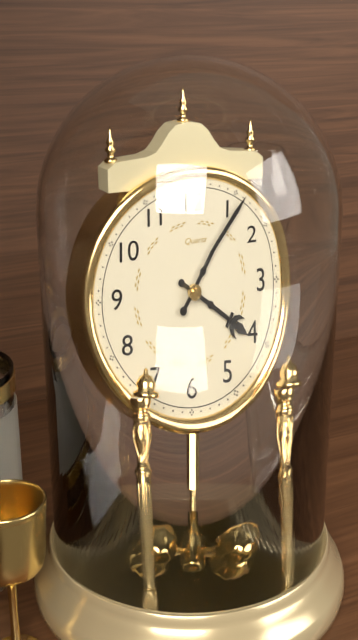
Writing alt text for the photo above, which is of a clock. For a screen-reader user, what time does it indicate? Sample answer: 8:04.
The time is 4:06
